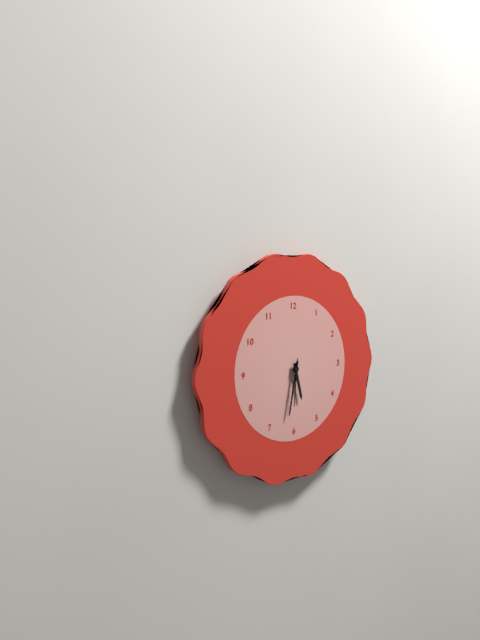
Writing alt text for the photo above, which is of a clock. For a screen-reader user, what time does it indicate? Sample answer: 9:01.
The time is 5:32
